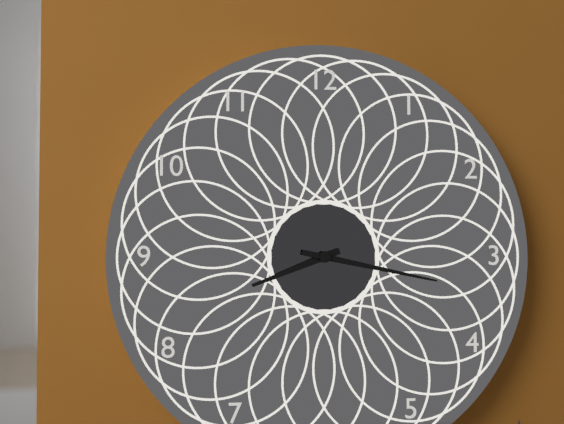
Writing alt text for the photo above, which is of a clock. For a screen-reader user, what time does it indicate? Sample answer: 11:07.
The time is 8:17
